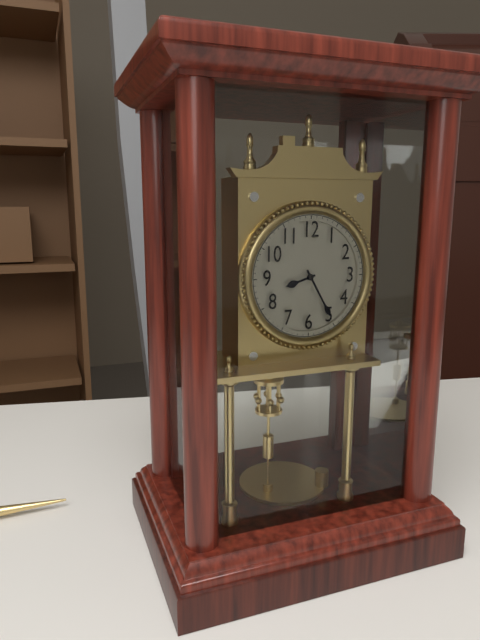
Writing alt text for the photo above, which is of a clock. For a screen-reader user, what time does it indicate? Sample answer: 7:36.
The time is 8:25
